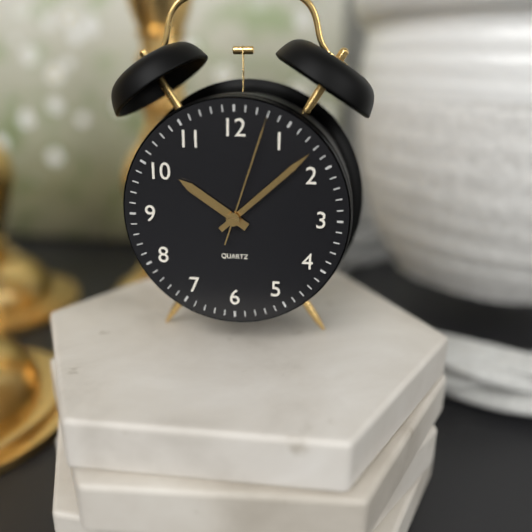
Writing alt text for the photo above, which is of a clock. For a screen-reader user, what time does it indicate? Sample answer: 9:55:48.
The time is 10:08:03
